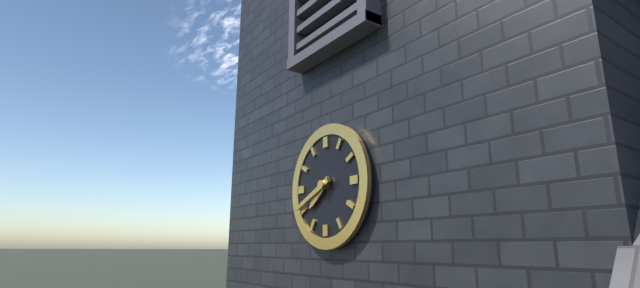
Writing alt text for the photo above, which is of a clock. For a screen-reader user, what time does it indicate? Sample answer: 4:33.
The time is 7:41
